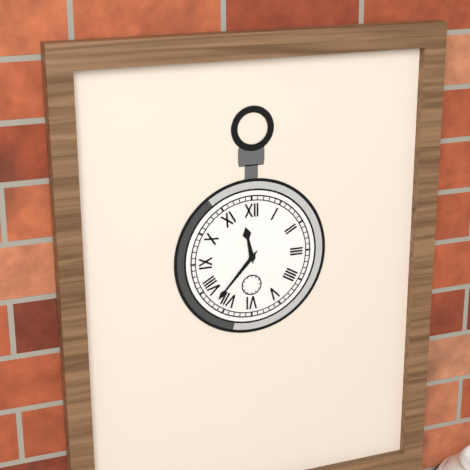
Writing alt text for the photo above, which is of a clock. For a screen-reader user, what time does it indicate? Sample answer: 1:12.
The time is 11:37
